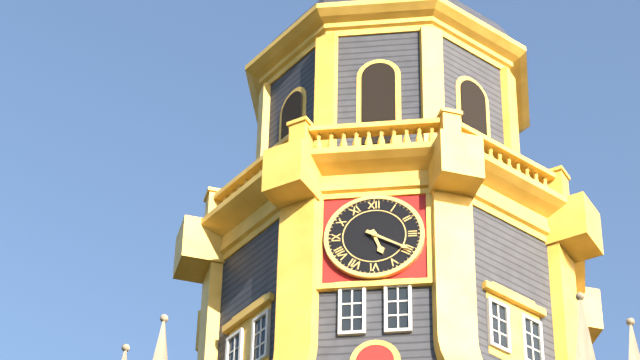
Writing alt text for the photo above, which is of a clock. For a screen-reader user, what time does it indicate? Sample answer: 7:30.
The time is 5:20
